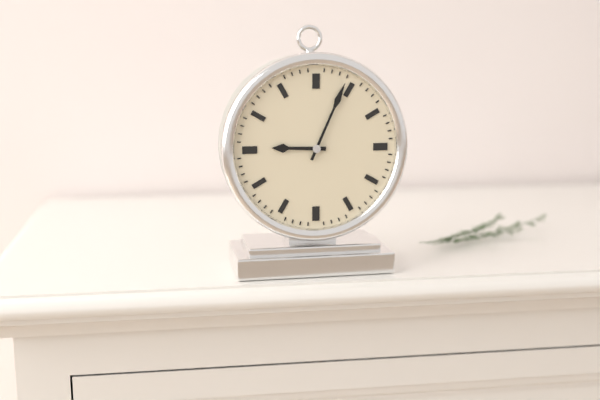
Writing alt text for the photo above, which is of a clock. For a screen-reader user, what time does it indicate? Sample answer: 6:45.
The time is 9:04
